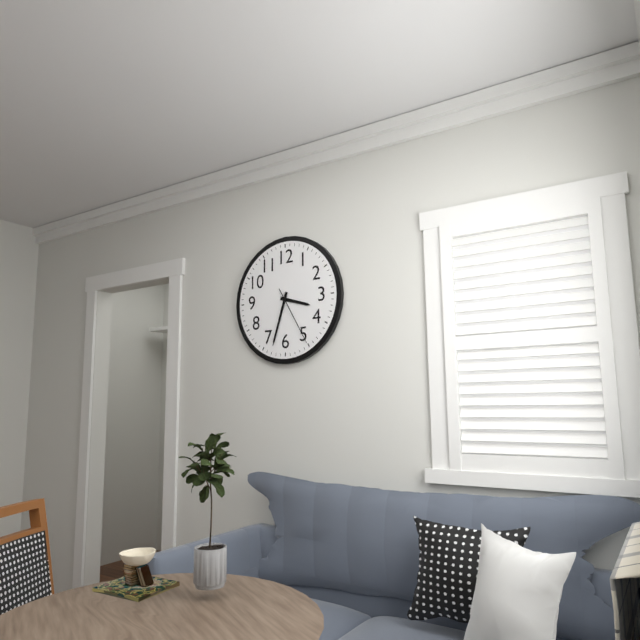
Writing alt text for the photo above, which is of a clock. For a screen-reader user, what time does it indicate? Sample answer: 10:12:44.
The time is 3:33:25
